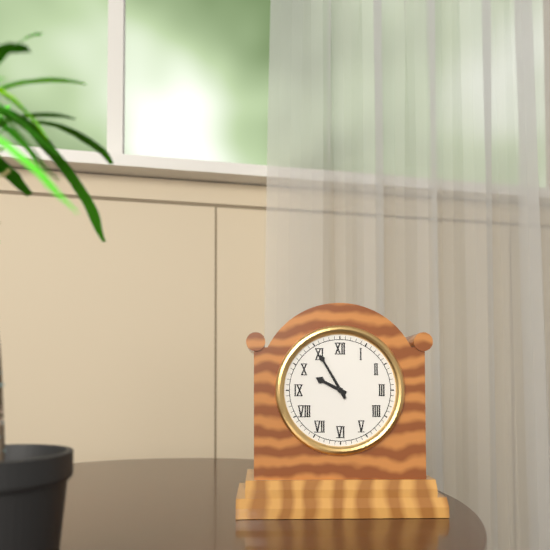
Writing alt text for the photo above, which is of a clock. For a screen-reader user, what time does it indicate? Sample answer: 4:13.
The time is 9:55
